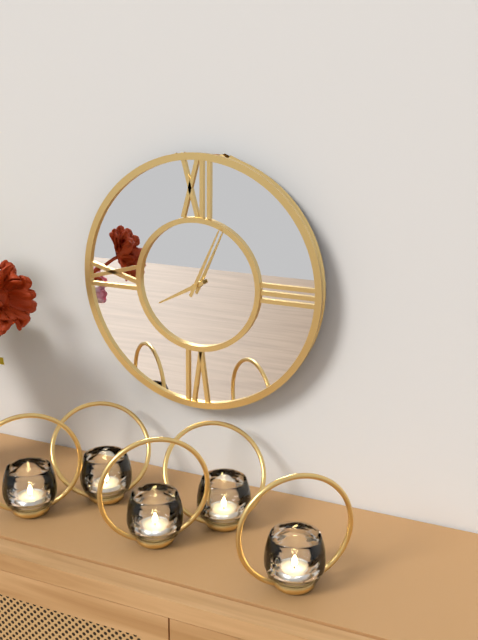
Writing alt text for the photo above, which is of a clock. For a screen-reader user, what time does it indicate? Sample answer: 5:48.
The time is 8:04
